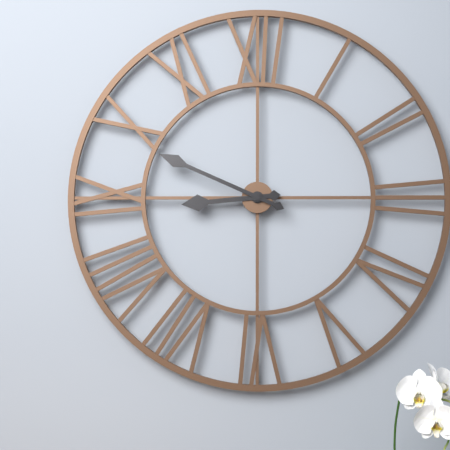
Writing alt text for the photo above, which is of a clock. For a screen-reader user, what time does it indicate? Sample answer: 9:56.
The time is 8:49
